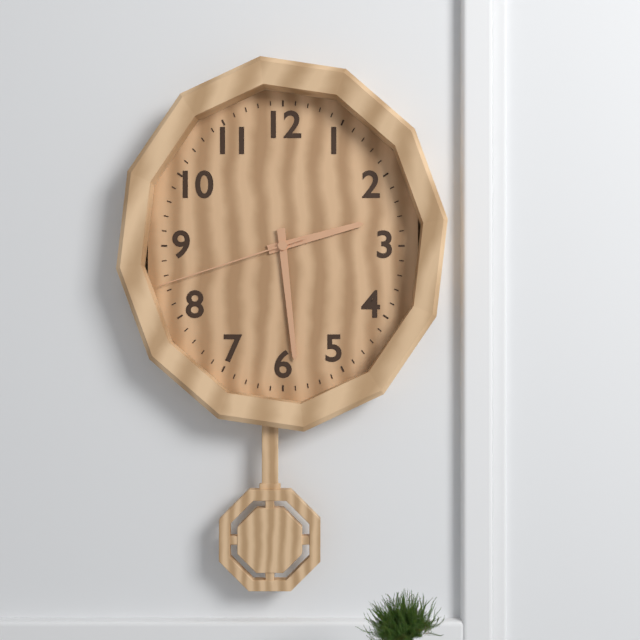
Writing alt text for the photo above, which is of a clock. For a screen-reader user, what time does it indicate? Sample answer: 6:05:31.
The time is 2:29:42
